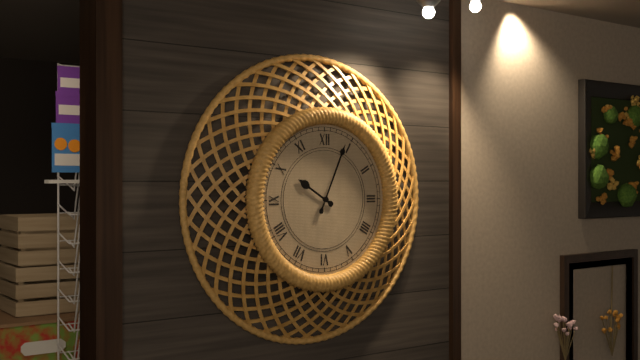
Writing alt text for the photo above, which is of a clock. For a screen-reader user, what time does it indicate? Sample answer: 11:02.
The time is 10:04
